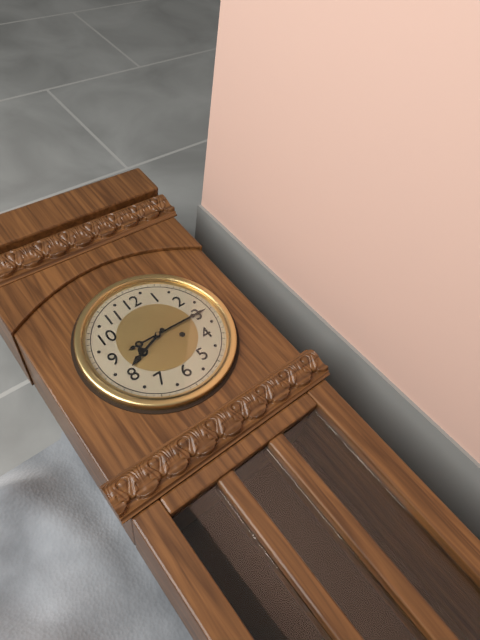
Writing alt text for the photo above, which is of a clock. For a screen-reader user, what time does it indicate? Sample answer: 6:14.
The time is 8:15
